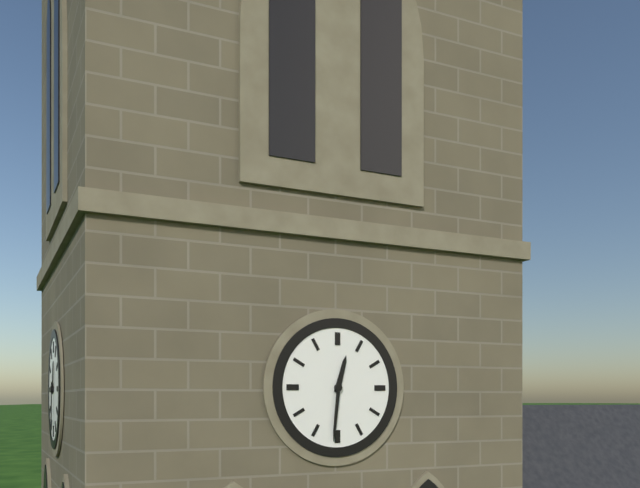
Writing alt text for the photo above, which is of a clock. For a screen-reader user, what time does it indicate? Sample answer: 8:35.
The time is 12:31
